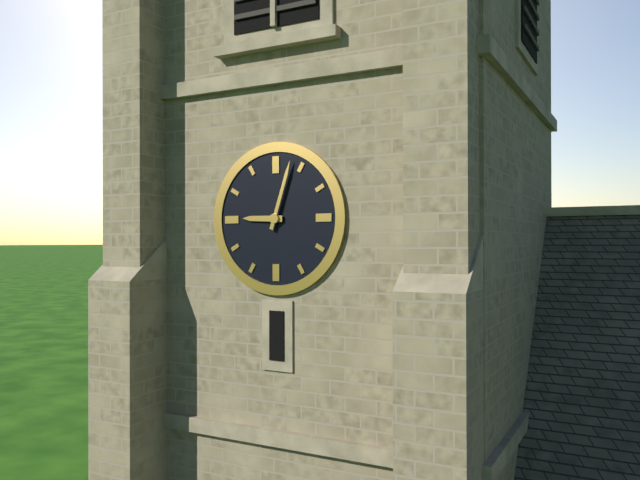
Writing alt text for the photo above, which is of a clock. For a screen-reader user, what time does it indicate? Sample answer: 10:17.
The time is 9:03
